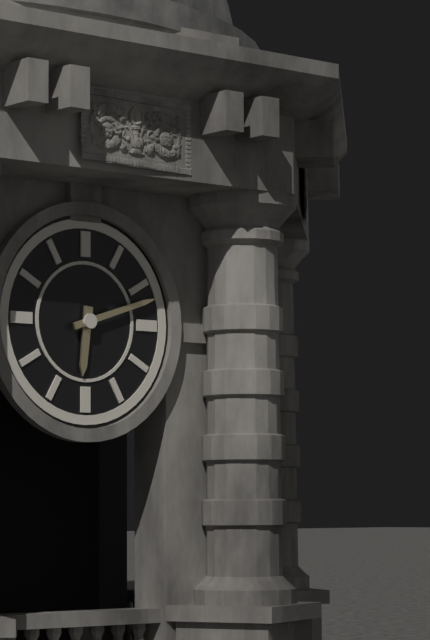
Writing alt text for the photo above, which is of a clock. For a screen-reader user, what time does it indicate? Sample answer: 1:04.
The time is 6:12
